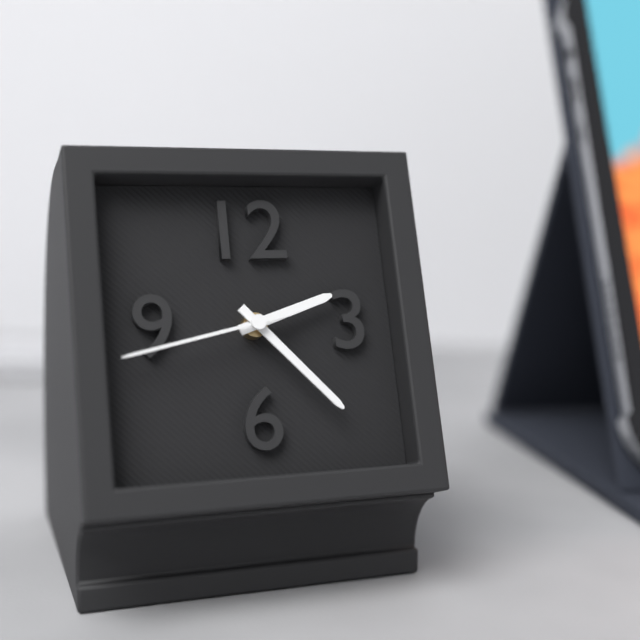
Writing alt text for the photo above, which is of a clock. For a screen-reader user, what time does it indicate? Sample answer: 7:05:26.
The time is 2:23:43
